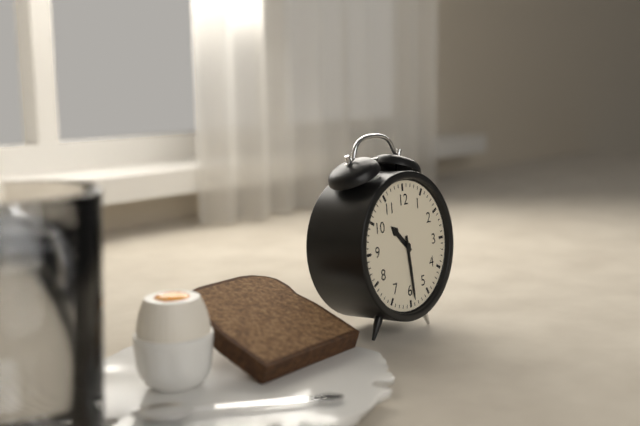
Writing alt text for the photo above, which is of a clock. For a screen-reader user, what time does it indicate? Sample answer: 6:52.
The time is 10:29
